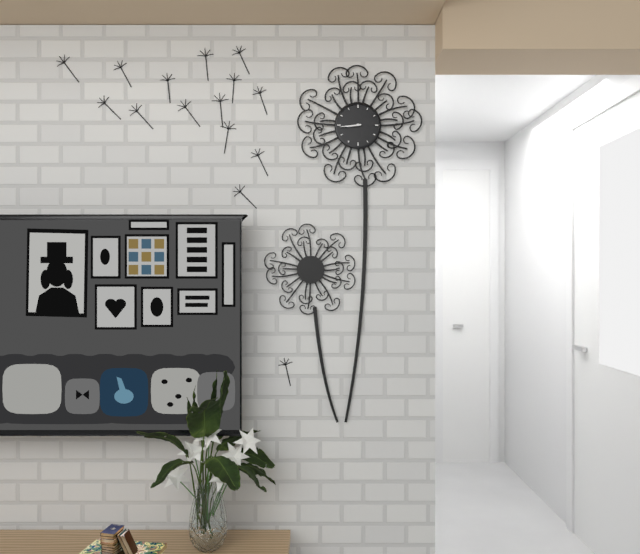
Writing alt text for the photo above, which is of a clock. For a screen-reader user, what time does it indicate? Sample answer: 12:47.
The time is 8:44
